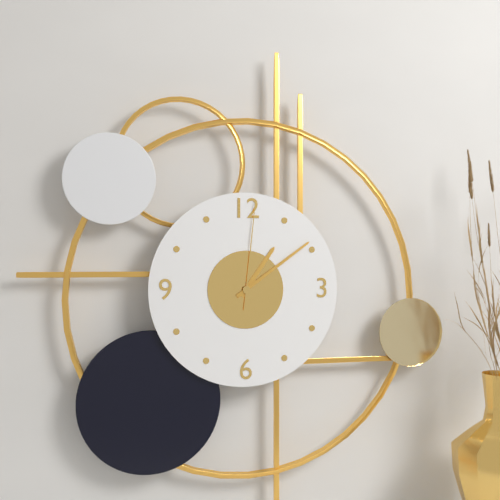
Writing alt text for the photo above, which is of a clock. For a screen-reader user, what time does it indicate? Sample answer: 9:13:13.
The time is 1:09:01
